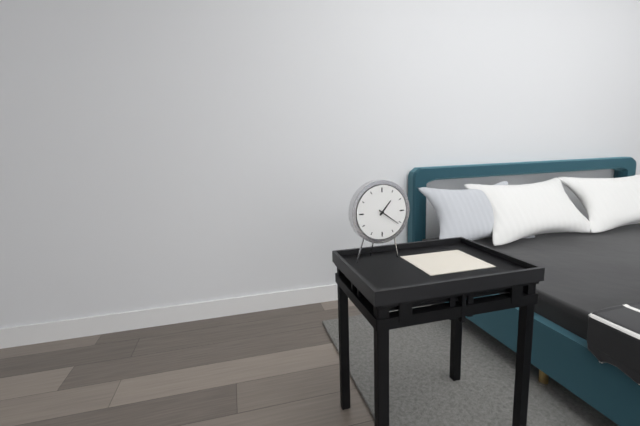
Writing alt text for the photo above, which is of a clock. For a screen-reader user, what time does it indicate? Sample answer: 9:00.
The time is 1:21
